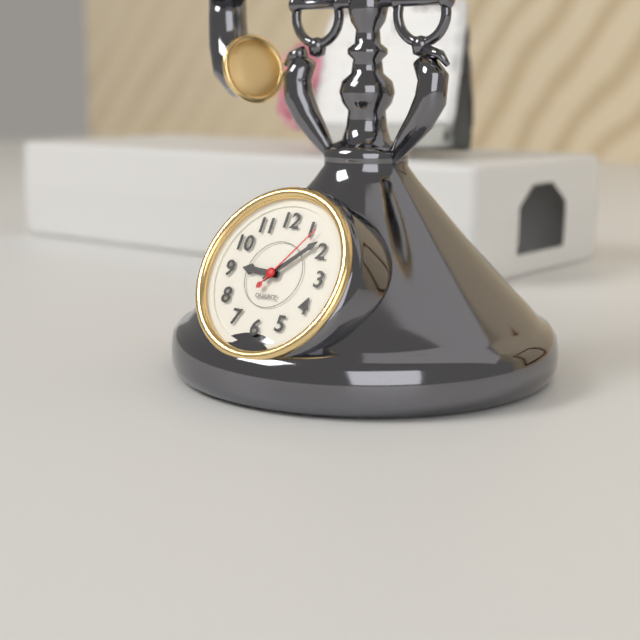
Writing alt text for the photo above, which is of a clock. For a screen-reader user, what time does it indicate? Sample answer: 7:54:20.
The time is 9:08:06
